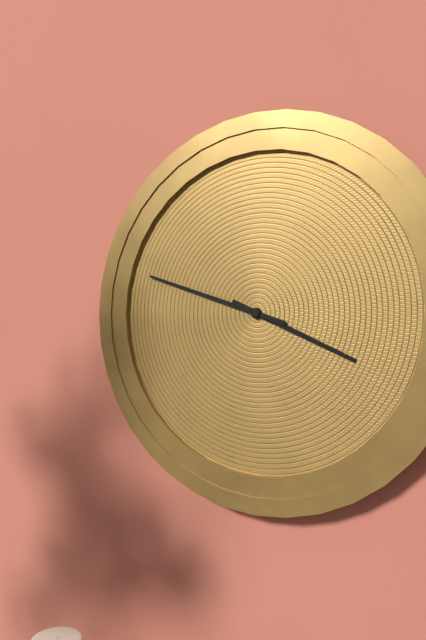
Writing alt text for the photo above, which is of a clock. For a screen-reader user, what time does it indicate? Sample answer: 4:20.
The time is 3:48
